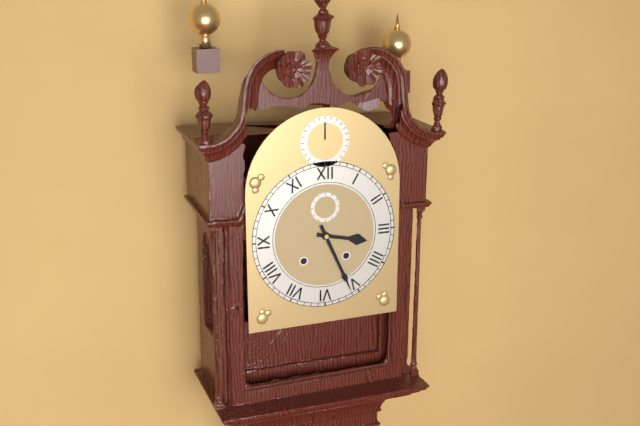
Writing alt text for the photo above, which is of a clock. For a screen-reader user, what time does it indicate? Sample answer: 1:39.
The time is 3:26
